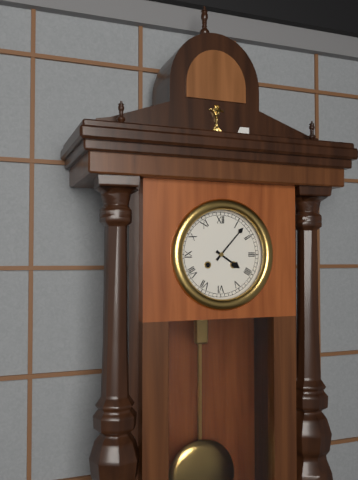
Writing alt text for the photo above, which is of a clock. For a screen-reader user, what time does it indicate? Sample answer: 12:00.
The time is 4:07
